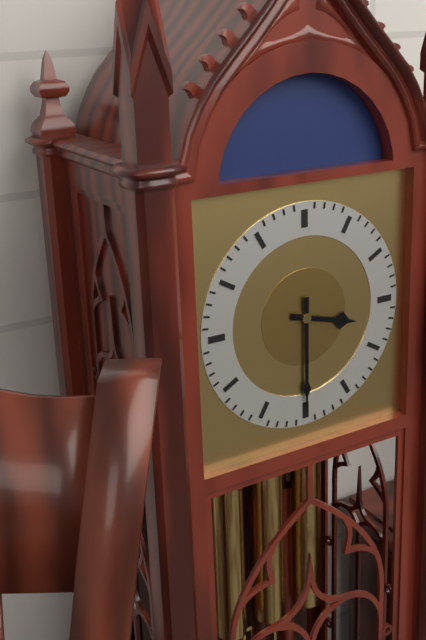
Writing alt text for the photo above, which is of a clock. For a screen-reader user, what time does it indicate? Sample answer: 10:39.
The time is 3:30
